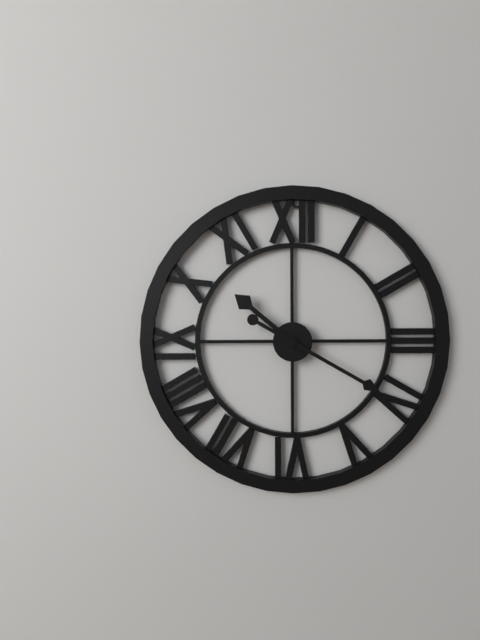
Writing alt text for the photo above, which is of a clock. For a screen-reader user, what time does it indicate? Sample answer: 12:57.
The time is 10:20
